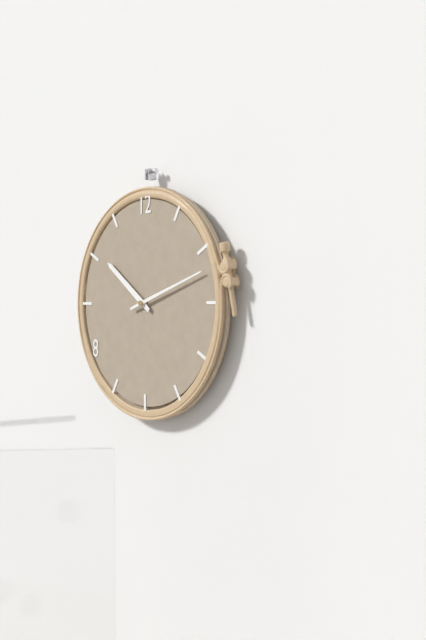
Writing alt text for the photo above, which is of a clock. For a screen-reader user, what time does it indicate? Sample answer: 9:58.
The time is 10:12
